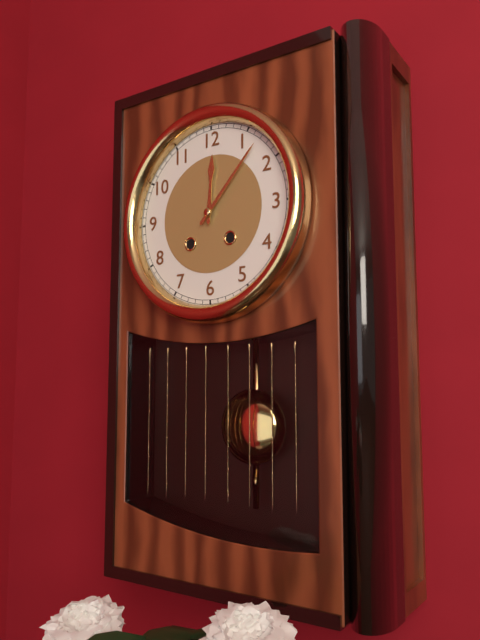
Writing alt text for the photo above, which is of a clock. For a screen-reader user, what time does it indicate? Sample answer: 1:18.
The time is 12:07
